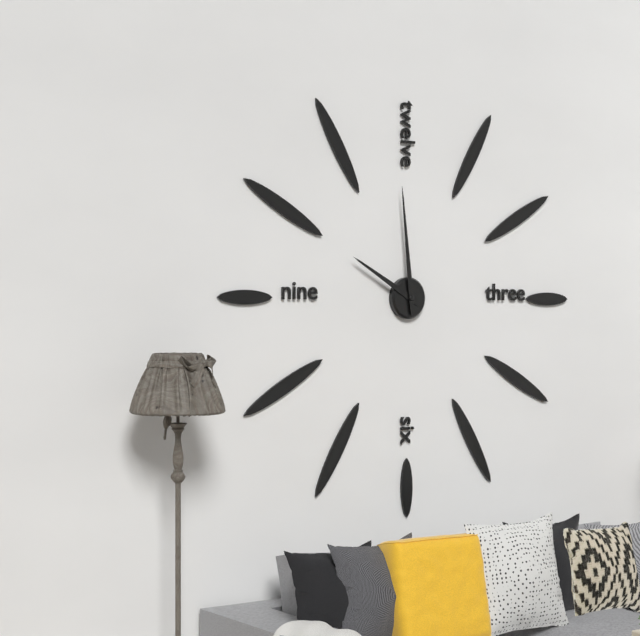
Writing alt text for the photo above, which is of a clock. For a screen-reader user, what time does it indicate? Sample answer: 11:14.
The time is 9:59
